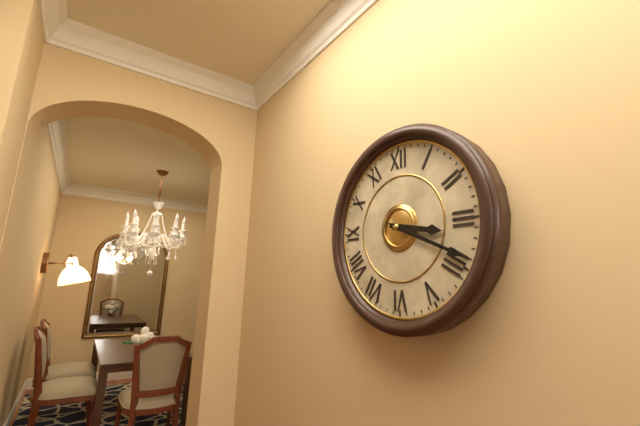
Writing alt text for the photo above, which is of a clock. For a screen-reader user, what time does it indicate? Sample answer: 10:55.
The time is 3:19
